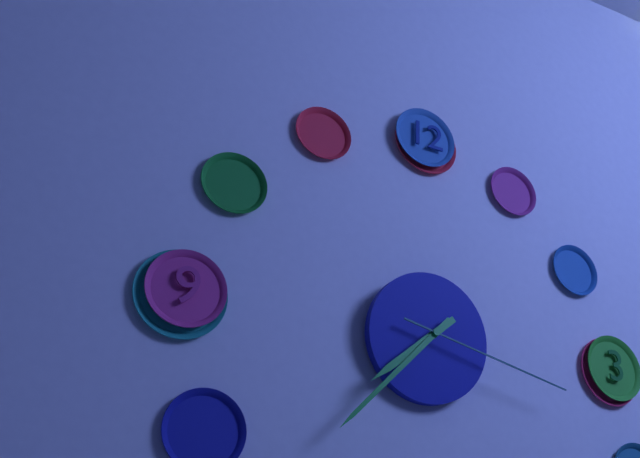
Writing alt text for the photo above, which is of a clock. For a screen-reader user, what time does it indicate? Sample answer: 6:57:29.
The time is 7:37:17
